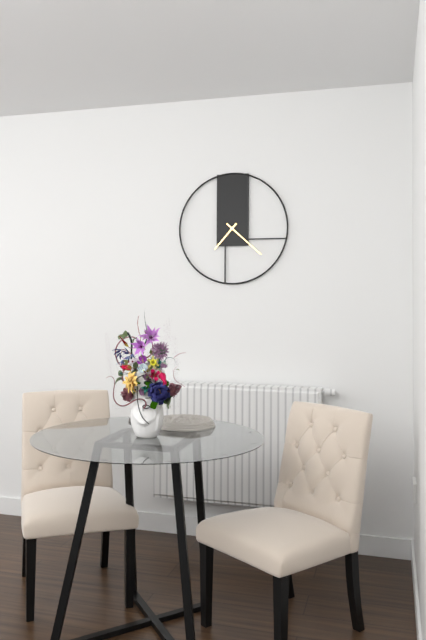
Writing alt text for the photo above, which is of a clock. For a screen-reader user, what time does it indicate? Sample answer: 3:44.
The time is 7:22
